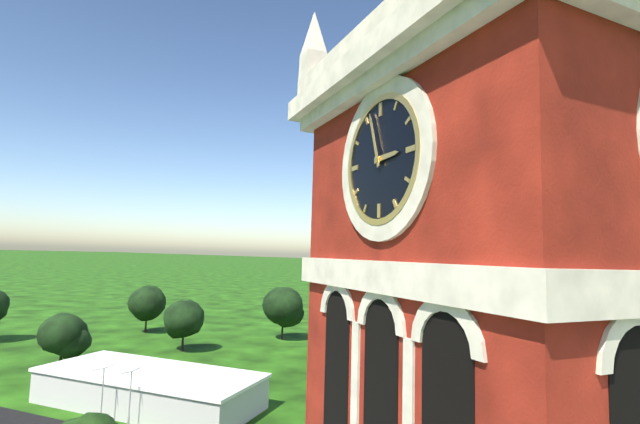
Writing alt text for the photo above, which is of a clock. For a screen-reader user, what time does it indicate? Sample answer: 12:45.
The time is 2:57
